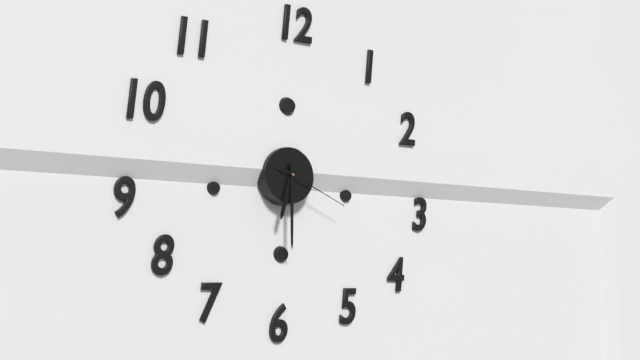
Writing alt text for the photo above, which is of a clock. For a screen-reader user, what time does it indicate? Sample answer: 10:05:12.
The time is 6:30:19
